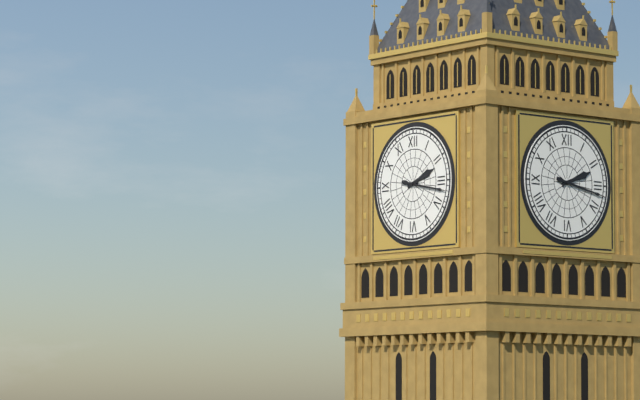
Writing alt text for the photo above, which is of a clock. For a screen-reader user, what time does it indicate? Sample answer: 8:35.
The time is 2:17
